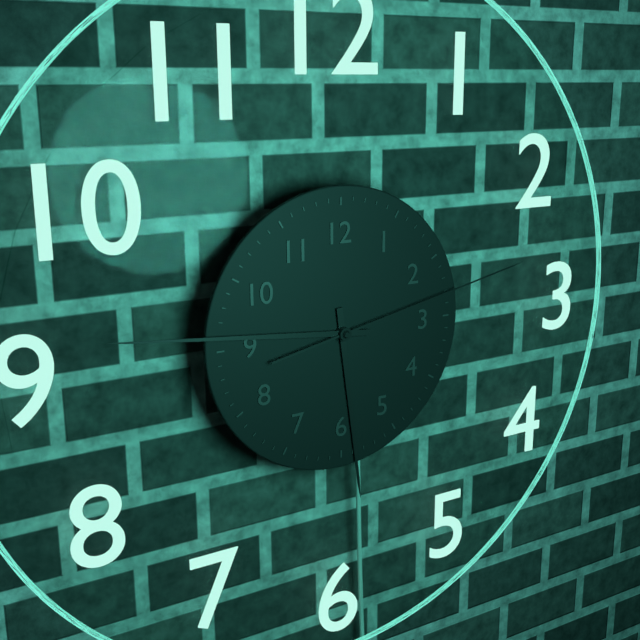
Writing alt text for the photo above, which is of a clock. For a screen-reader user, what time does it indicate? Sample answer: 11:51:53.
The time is 5:46:13
